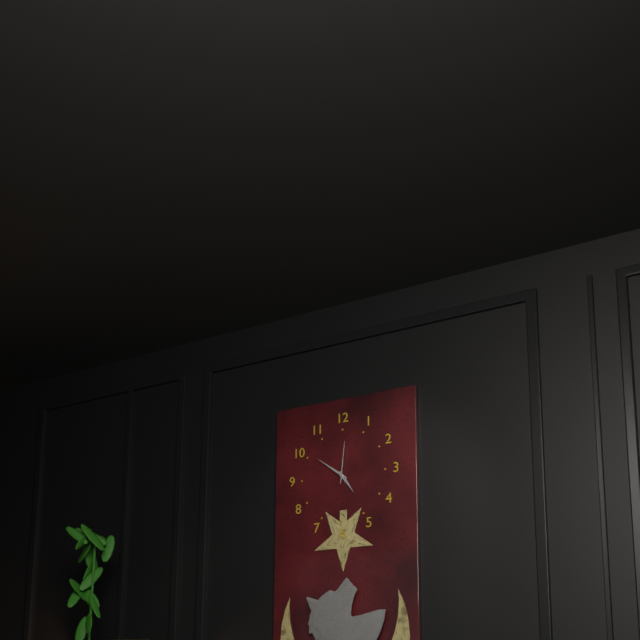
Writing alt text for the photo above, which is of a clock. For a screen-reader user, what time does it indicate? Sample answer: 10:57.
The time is 4:51
